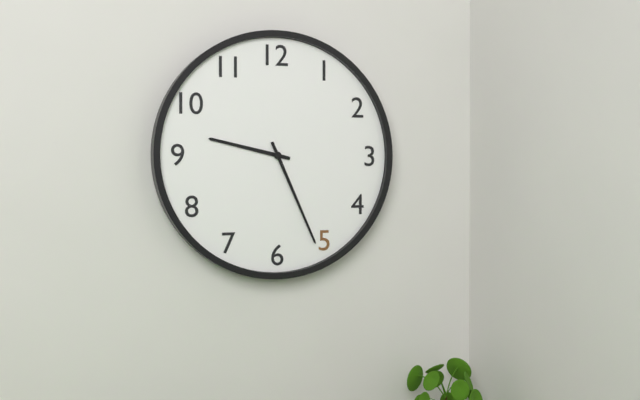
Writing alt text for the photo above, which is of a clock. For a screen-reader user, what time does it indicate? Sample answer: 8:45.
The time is 9:26
